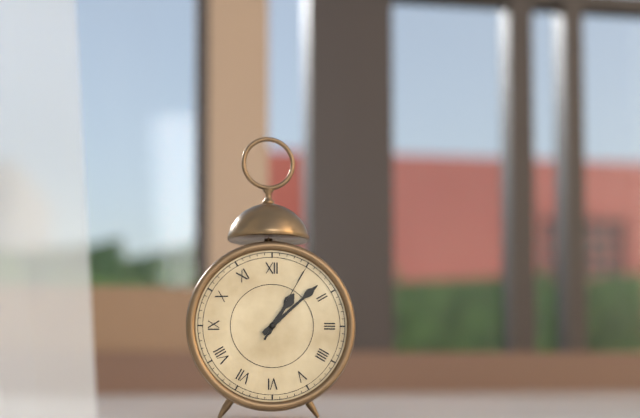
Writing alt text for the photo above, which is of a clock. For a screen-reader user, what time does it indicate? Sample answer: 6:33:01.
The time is 1:08:05
